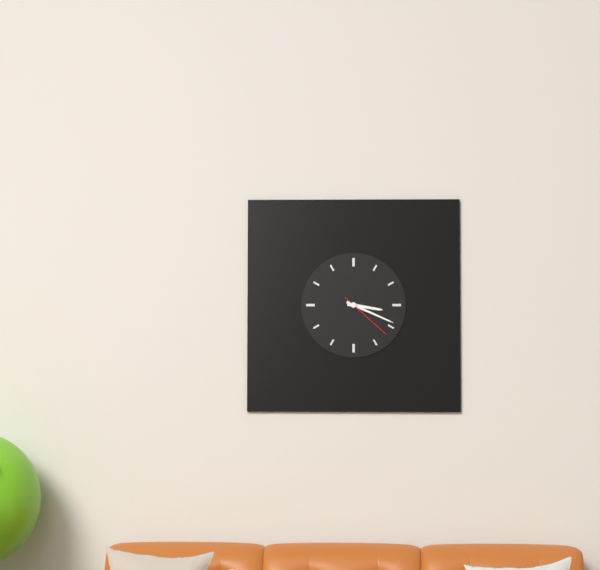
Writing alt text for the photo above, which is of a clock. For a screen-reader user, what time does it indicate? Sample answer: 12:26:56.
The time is 3:19:22
